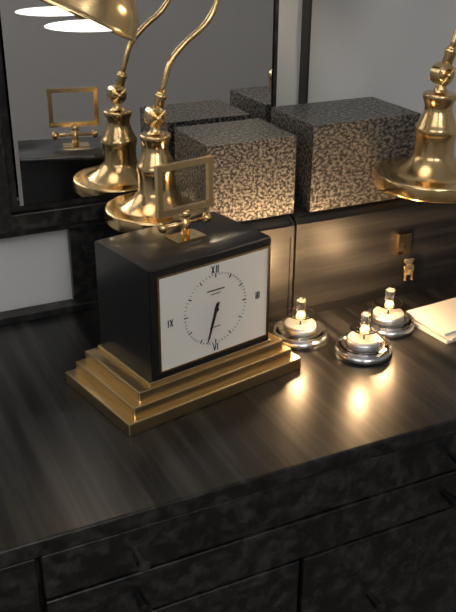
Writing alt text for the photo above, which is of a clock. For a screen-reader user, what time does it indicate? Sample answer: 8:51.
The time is 6:33
